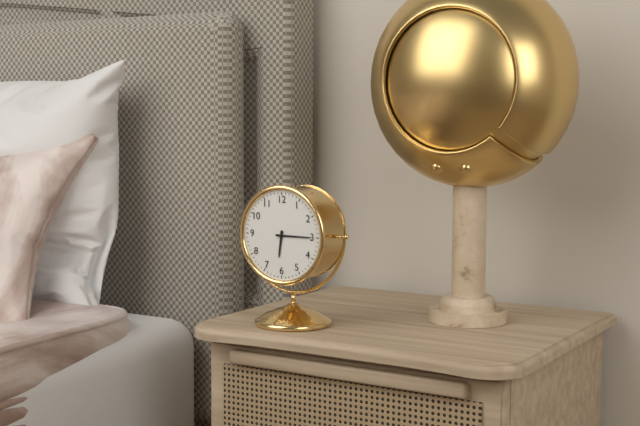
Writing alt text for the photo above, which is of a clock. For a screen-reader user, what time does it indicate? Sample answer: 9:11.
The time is 6:15
